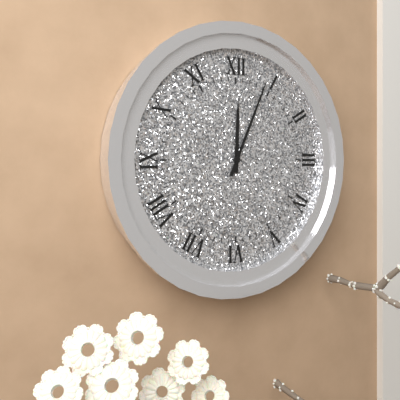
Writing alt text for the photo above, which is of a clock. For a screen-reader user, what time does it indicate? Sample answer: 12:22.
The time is 12:04
